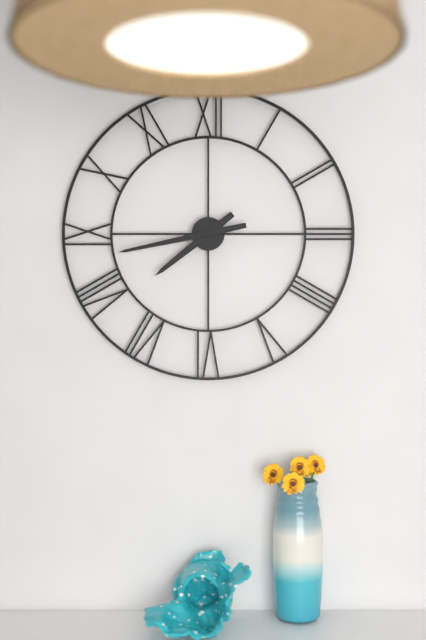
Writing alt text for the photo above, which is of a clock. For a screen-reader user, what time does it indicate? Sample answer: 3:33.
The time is 7:43
